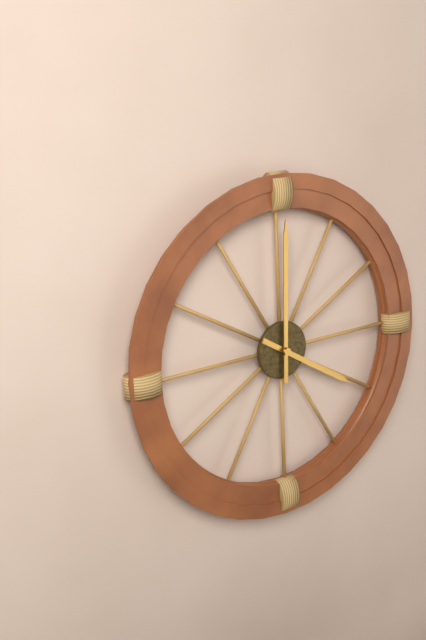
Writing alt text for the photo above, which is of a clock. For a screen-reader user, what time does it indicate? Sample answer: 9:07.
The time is 4:00
